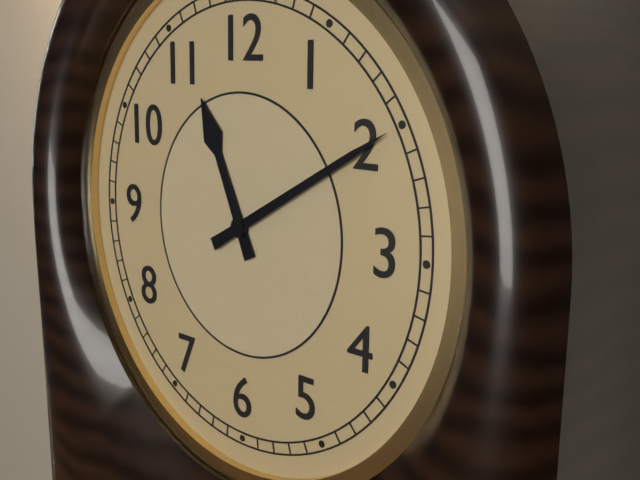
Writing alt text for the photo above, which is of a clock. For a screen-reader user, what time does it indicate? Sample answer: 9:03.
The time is 11:10
